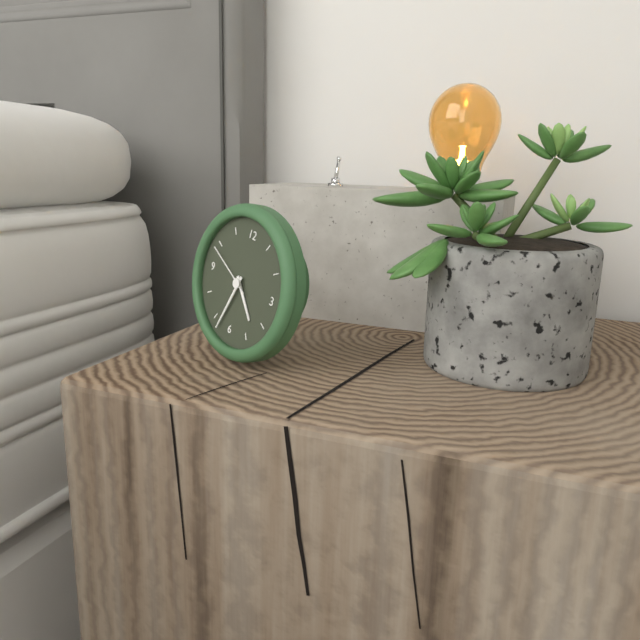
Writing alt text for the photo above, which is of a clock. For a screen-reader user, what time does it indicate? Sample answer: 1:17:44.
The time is 4:33:49
